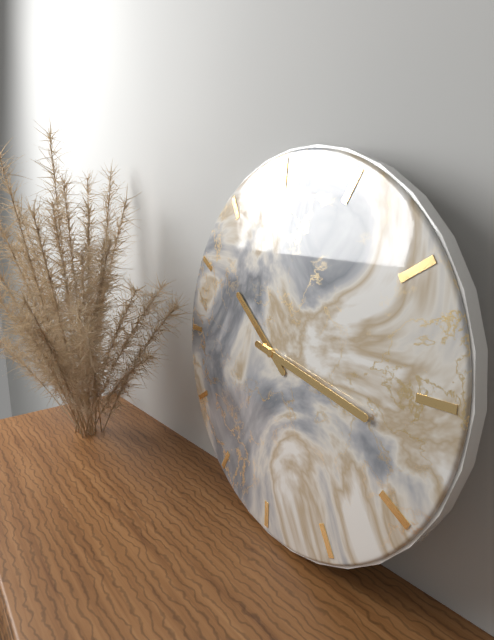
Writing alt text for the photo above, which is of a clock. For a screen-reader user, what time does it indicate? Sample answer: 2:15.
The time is 10:17
